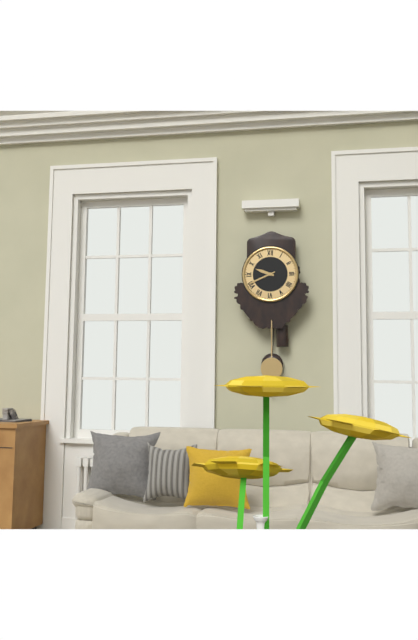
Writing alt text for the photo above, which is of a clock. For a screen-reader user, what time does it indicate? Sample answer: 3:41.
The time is 9:41
